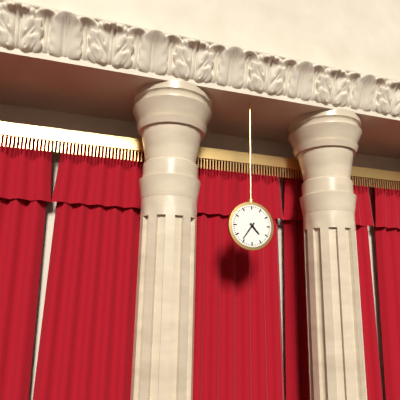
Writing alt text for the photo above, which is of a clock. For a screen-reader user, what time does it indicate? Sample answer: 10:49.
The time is 4:36
